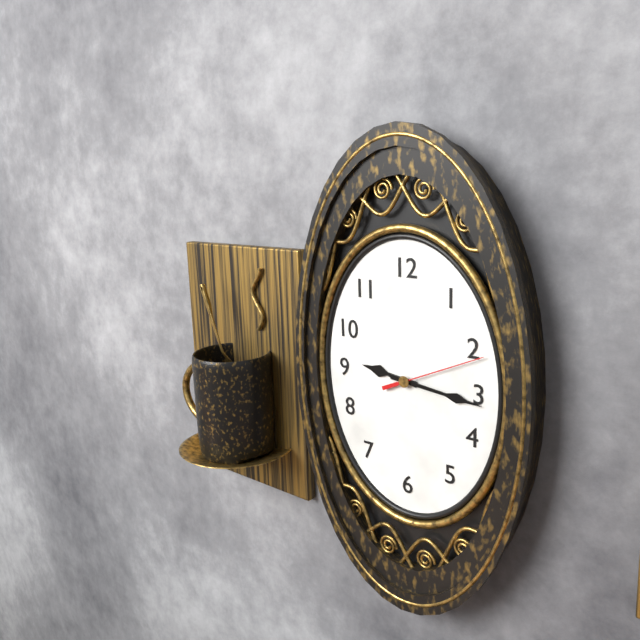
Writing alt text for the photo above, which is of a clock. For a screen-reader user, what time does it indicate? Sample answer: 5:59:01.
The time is 9:16:11
